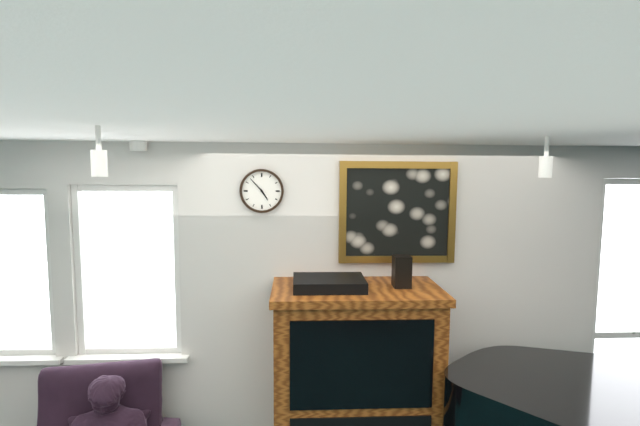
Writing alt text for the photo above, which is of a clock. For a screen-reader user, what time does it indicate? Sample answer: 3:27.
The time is 4:53
